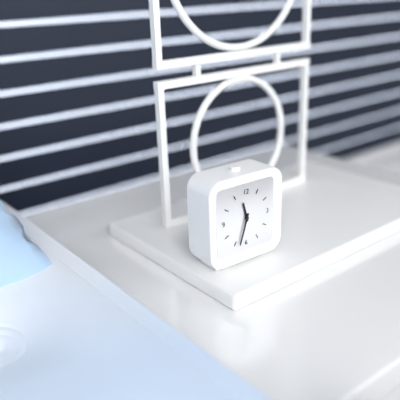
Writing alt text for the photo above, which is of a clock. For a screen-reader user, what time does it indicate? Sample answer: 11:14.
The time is 11:33
